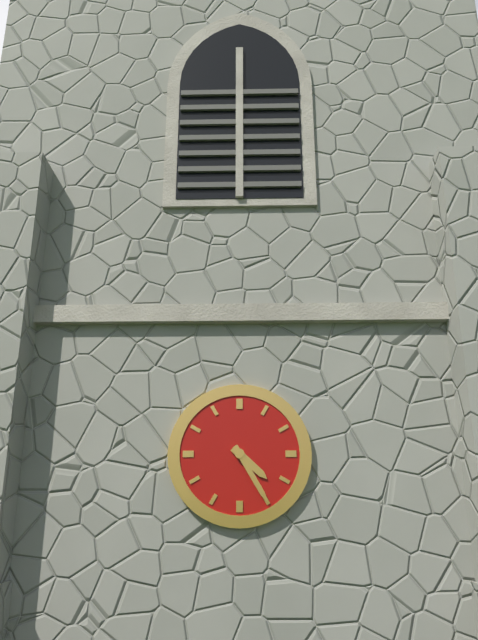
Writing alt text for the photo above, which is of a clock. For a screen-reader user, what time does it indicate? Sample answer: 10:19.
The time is 4:25
